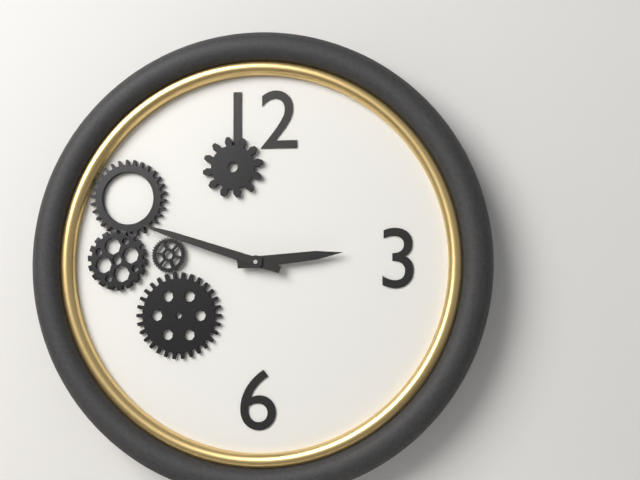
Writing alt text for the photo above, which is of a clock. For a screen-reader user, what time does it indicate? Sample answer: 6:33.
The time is 2:48
